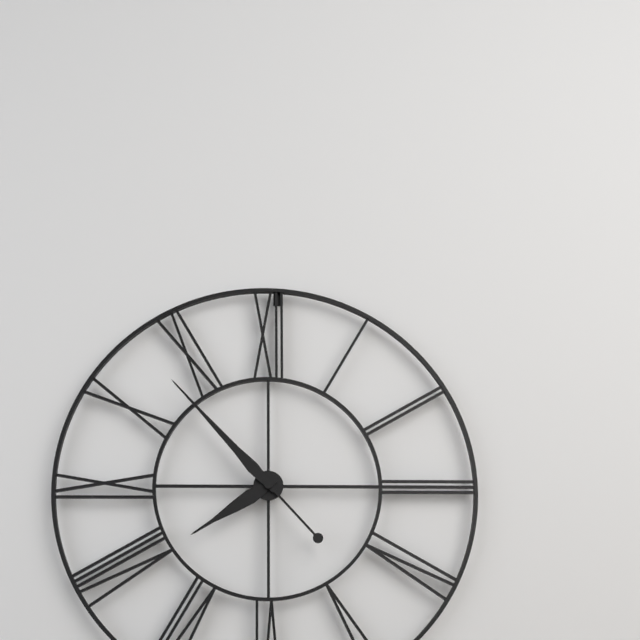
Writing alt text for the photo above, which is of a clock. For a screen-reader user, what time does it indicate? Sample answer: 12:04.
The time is 7:53
